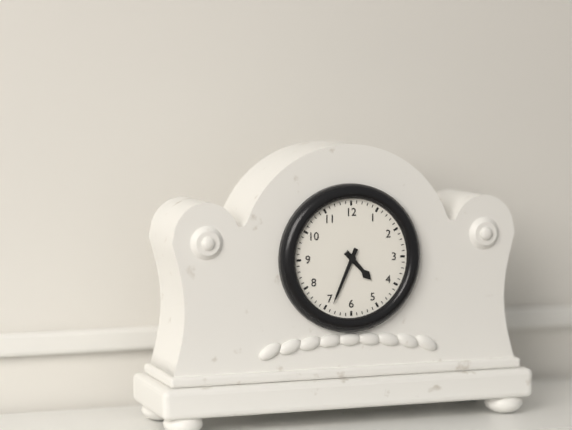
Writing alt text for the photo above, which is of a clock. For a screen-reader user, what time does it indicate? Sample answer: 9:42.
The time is 4:34
